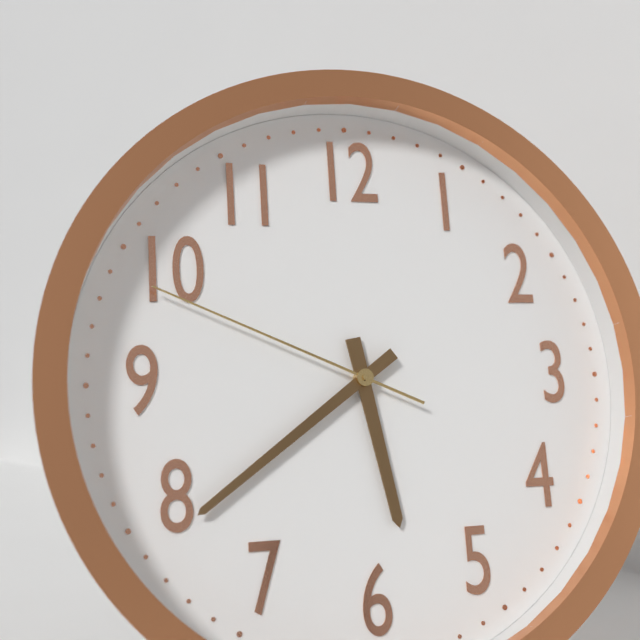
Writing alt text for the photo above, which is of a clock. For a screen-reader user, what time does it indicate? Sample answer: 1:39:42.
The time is 5:39:49
